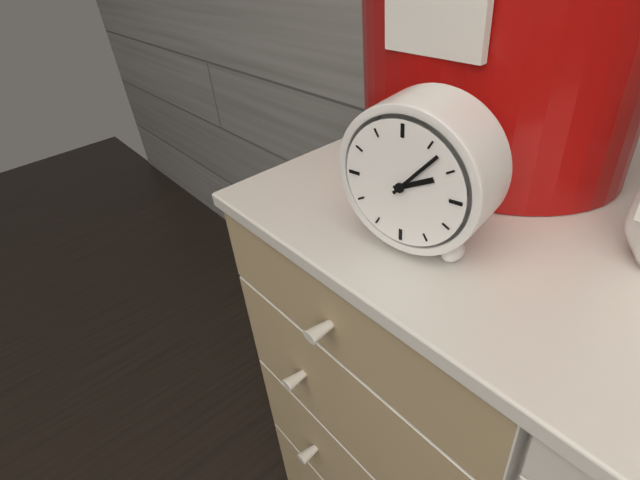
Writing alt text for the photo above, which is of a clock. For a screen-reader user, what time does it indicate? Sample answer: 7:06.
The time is 2:07
